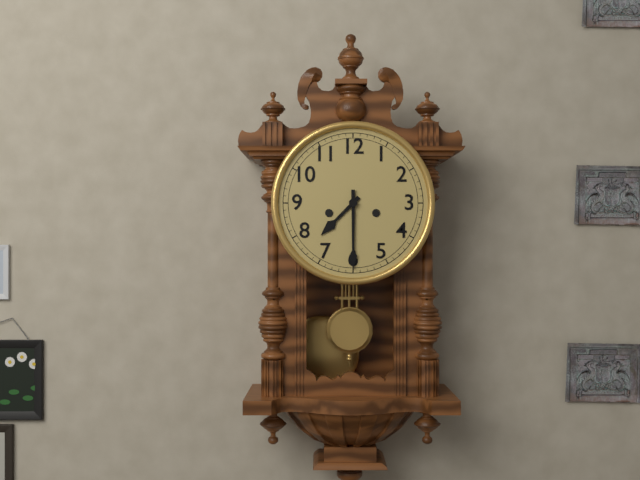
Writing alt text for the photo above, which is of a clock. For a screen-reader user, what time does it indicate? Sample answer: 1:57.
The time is 7:30
